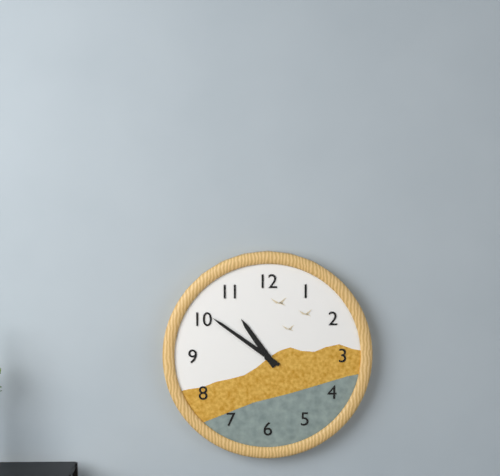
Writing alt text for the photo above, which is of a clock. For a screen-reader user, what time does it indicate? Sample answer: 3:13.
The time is 10:51
